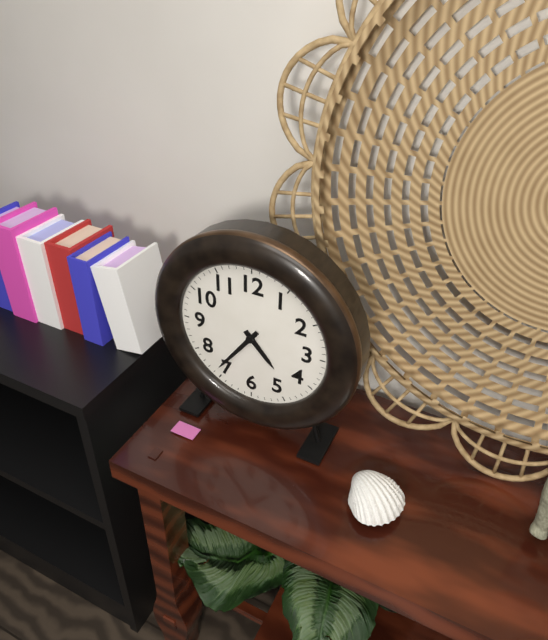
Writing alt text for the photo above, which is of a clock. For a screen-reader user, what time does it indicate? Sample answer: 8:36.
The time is 4:36
